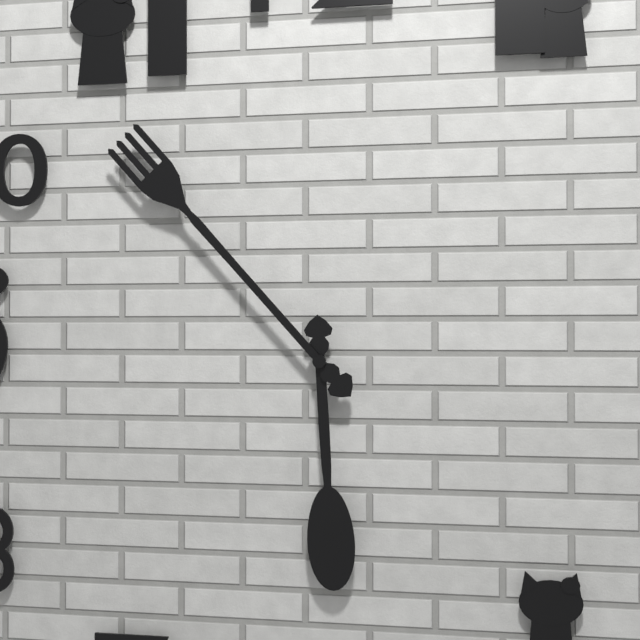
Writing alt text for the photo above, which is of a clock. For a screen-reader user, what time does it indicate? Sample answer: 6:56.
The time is 5:53
